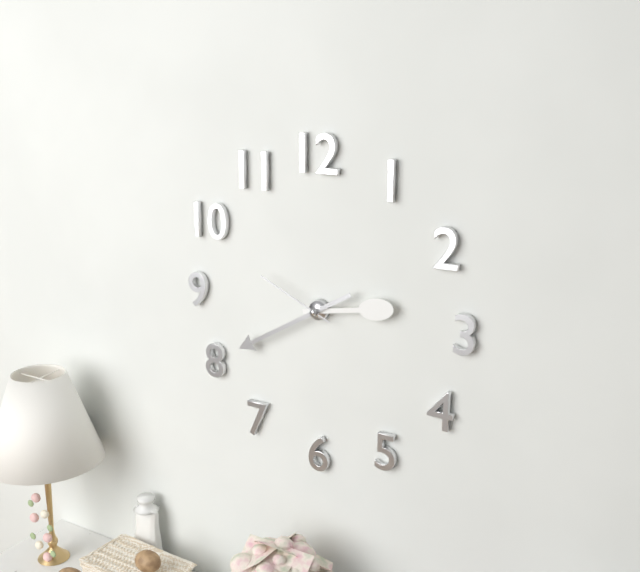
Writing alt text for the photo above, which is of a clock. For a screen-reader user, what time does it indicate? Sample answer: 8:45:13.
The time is 2:40:49
